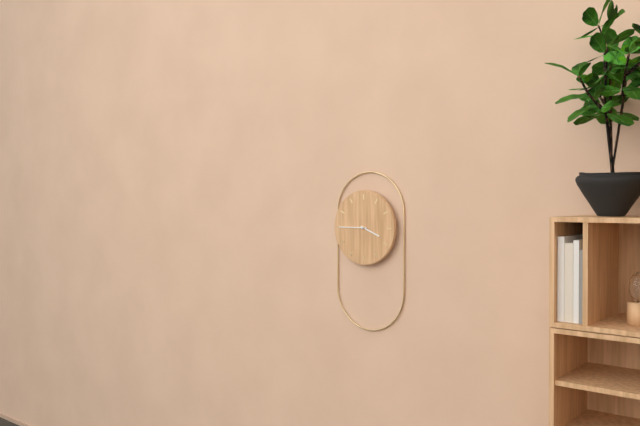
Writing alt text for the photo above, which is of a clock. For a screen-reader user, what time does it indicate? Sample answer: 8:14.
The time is 3:45
